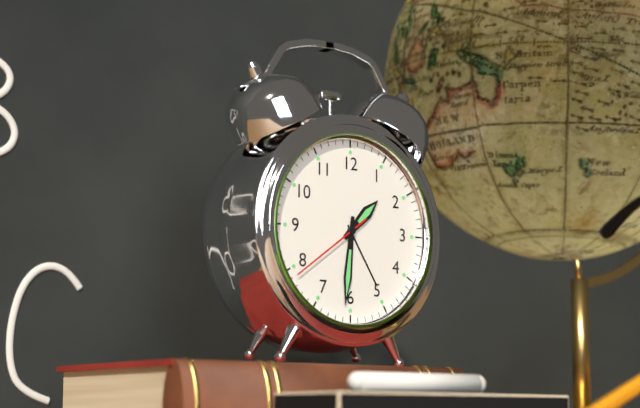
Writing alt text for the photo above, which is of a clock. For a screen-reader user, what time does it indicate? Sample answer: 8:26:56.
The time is 1:31:39
